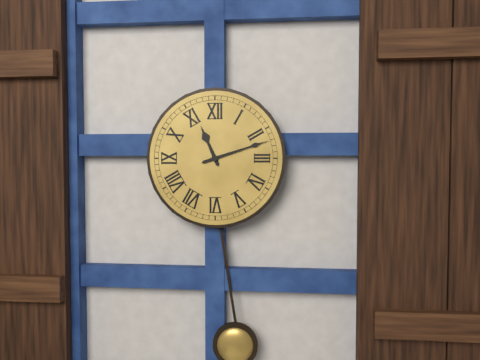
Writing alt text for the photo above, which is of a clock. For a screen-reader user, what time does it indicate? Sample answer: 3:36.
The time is 11:12
